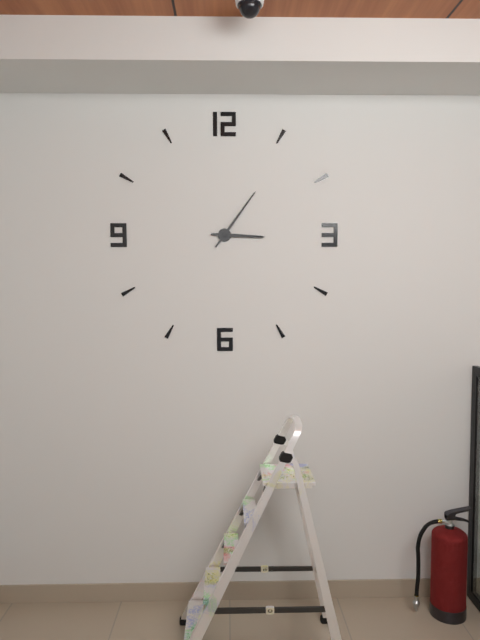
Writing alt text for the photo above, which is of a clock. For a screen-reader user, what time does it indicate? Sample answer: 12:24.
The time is 3:06
